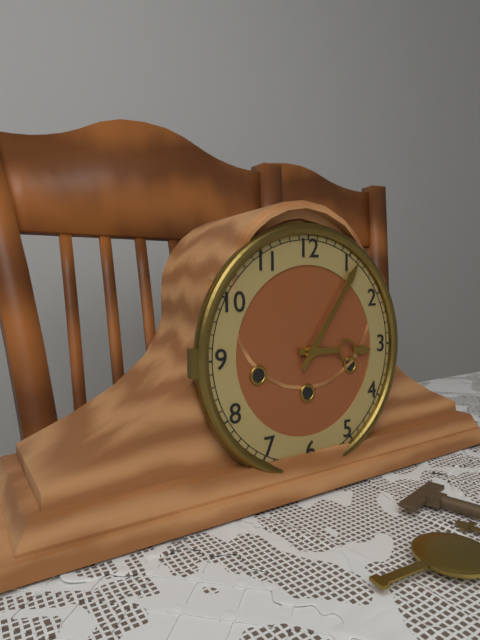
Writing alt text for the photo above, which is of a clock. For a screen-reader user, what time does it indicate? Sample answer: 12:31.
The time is 3:06
